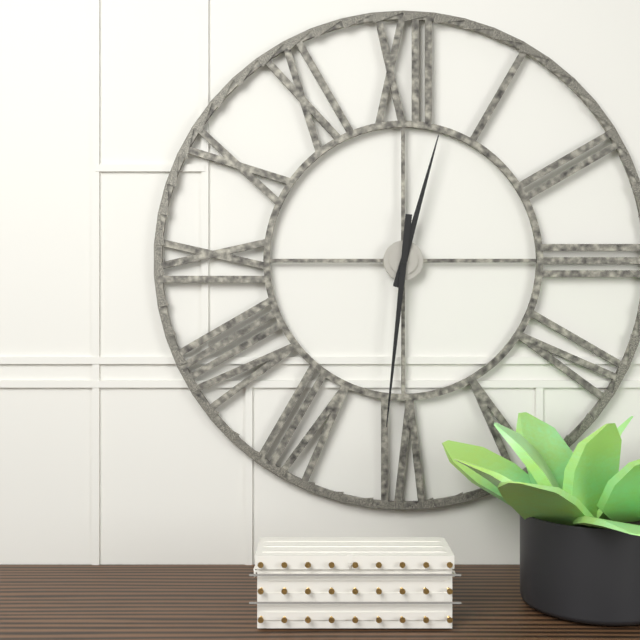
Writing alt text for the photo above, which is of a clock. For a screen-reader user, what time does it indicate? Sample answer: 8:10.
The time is 12:31
